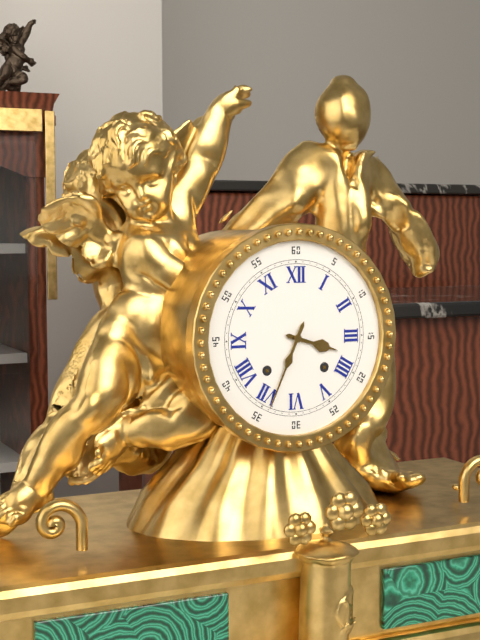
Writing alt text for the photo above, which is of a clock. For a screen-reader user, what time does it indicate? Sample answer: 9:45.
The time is 3:34
